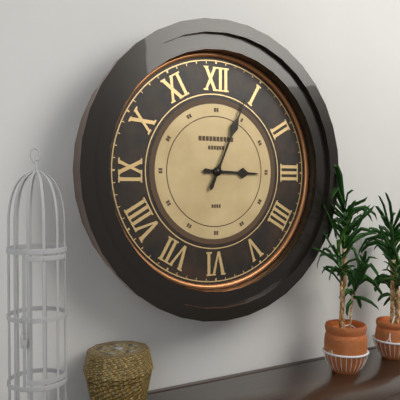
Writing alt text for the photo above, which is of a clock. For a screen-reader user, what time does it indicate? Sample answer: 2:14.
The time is 3:04
